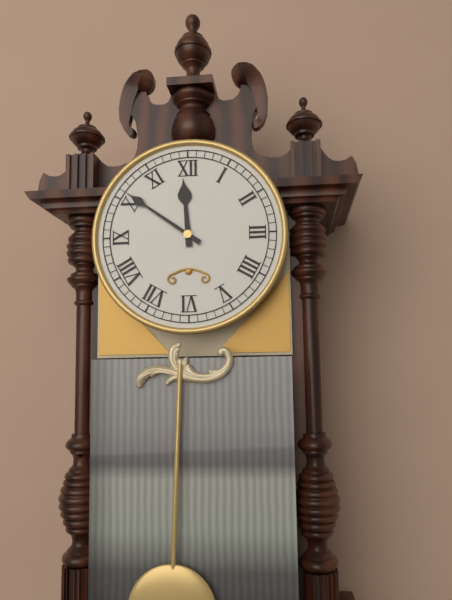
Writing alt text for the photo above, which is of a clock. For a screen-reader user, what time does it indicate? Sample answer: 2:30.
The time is 11:51
